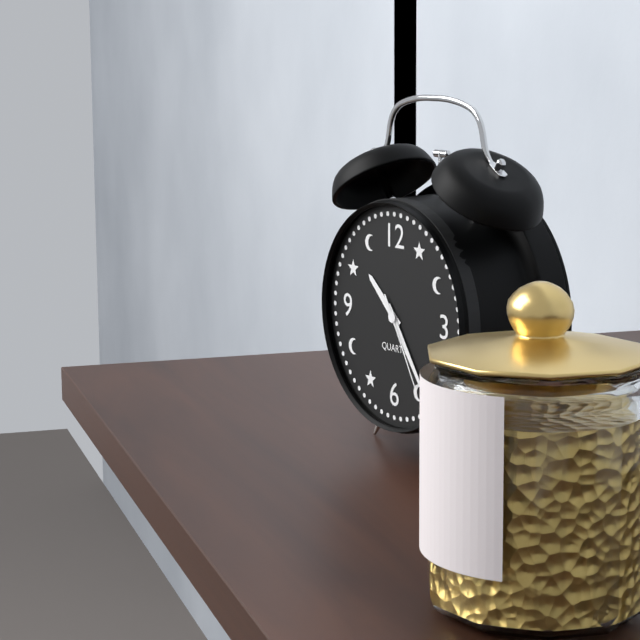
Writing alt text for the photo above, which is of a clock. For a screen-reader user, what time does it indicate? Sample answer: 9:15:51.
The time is 10:24:25
